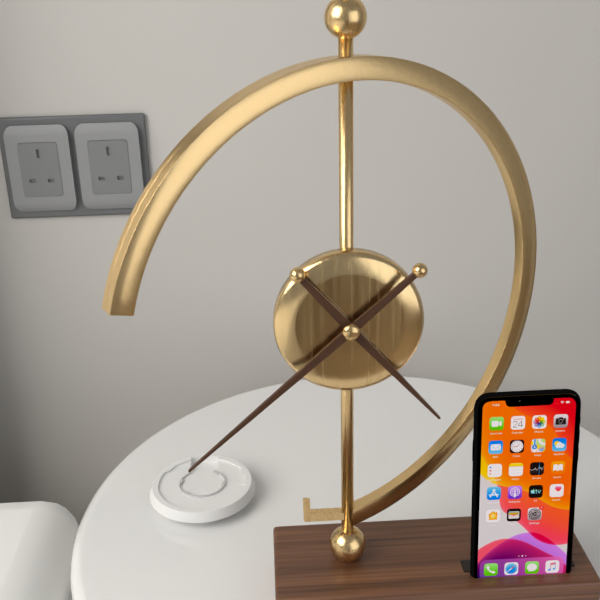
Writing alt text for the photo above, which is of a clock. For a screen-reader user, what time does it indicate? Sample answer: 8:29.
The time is 4:38
